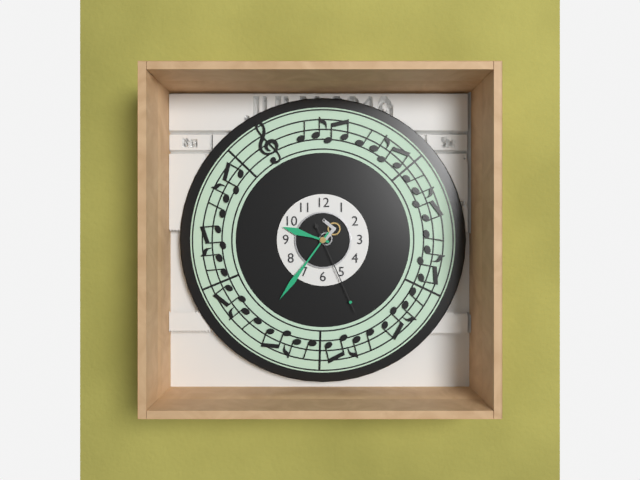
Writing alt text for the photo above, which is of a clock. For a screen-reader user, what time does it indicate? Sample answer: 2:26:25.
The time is 9:36:26
